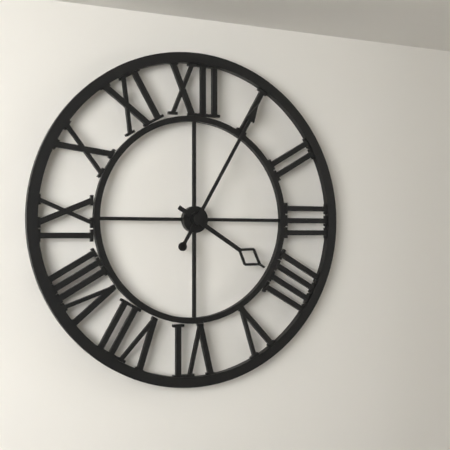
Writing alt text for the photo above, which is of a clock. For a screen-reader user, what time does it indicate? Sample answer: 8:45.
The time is 4:05
